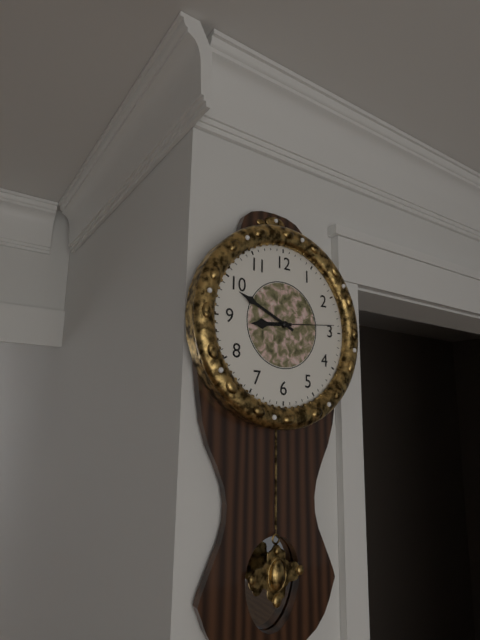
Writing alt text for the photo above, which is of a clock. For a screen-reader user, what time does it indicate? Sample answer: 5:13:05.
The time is 8:49:14
